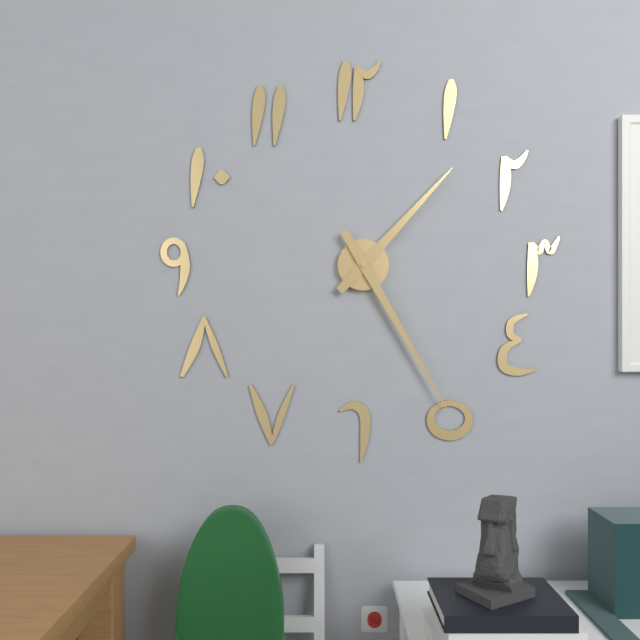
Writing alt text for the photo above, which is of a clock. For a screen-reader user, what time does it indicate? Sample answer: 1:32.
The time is 1:25
